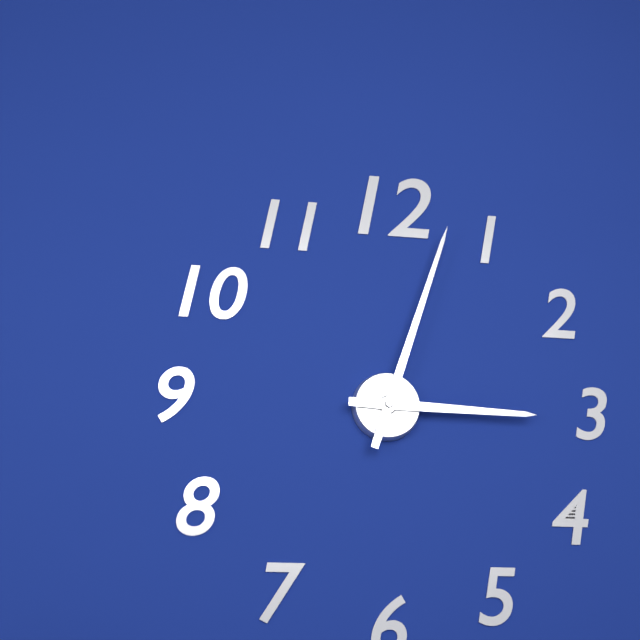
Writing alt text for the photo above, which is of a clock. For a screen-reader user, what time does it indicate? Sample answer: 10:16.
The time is 3:03
